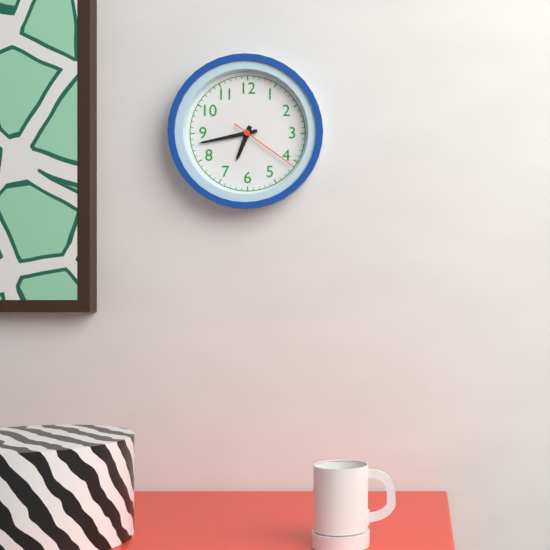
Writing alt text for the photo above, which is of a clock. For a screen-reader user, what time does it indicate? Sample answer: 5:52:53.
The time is 6:43:21
